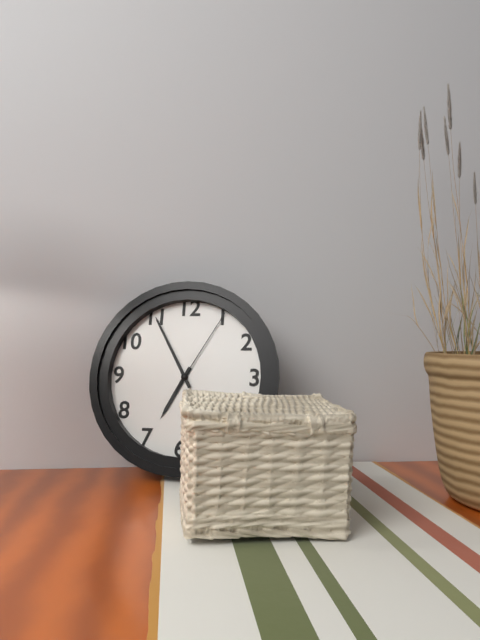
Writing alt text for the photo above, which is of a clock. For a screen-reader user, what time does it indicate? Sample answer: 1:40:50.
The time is 6:55:05
